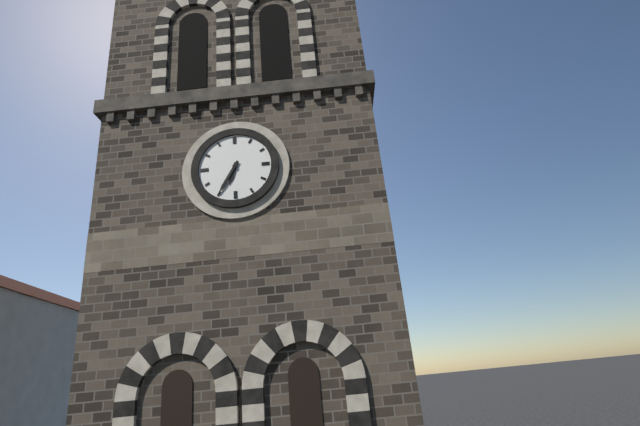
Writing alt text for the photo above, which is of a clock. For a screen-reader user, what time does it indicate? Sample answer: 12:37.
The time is 6:35
